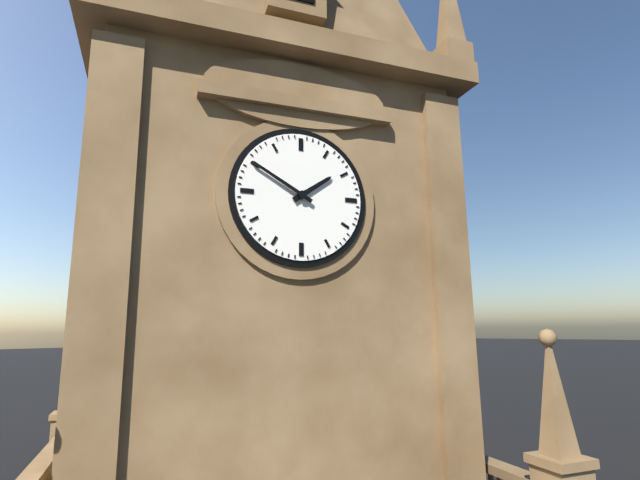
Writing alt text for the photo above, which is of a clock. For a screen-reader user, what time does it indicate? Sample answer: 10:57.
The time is 1:50
